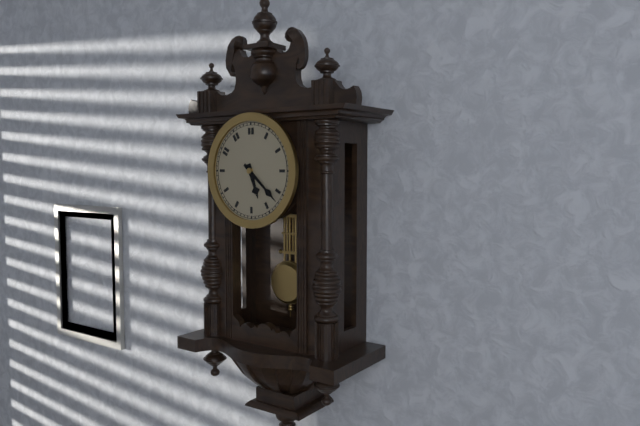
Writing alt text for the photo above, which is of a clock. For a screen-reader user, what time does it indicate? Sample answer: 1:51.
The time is 5:22
